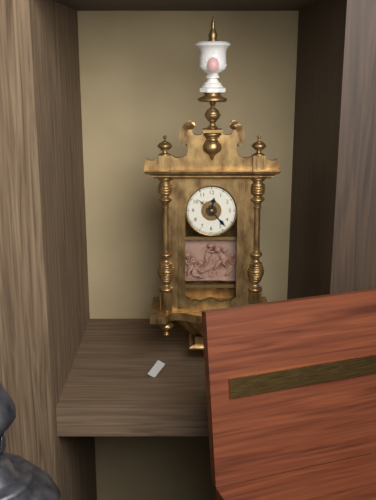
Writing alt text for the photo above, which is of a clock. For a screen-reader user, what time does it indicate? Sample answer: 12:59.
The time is 12:23
